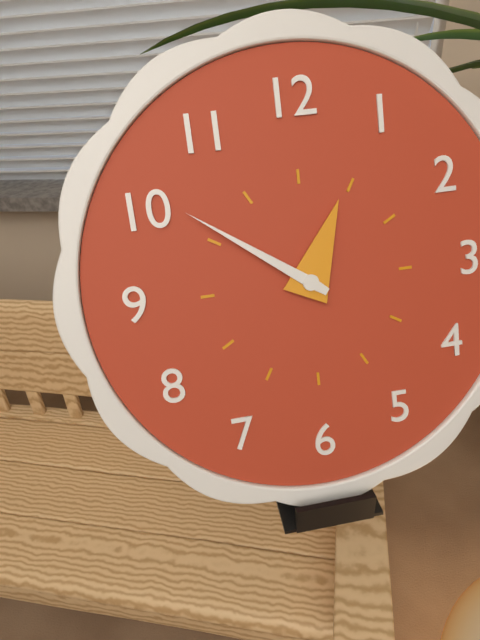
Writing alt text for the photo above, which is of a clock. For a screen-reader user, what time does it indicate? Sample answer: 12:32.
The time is 12:51
